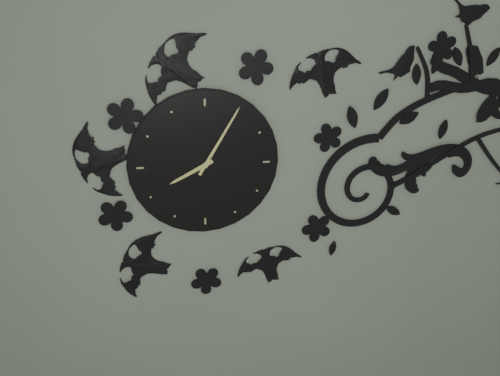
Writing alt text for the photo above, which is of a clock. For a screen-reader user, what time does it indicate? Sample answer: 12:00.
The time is 8:05
